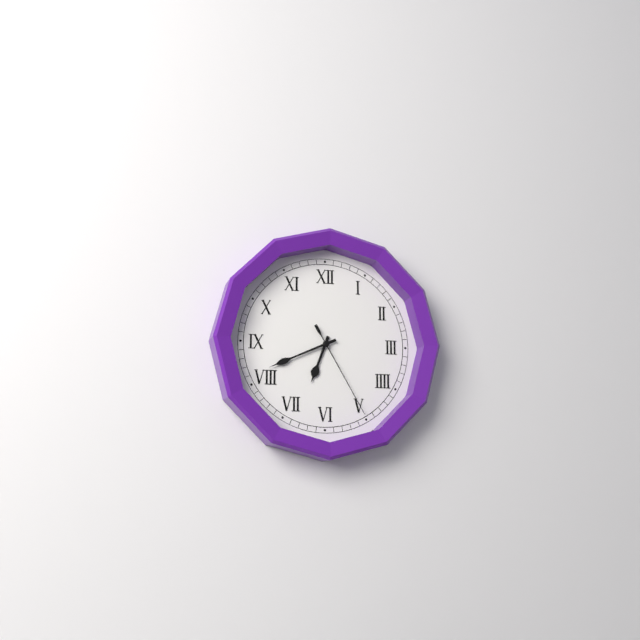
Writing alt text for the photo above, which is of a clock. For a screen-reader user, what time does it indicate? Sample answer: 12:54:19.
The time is 6:41:25
